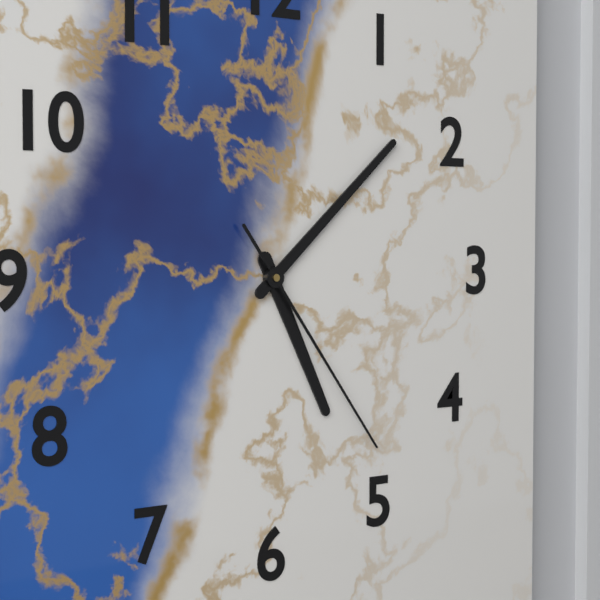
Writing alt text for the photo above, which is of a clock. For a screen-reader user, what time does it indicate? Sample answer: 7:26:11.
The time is 5:08:24
